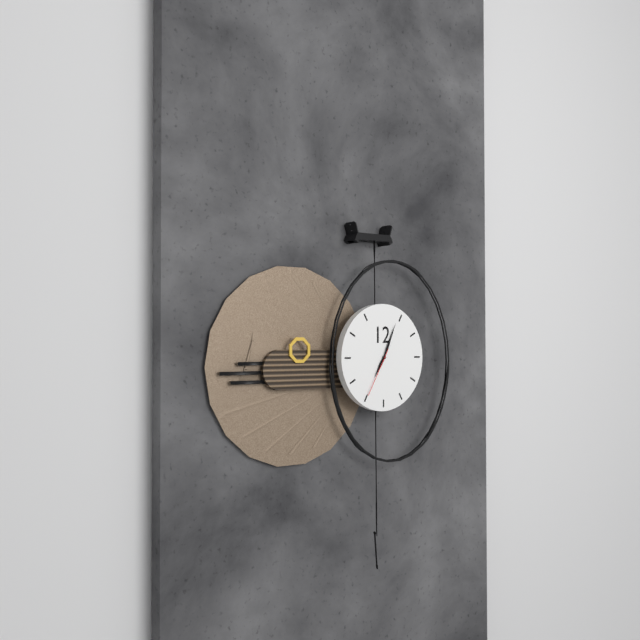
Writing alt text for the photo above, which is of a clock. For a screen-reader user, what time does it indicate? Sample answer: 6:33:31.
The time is 7:04:35
